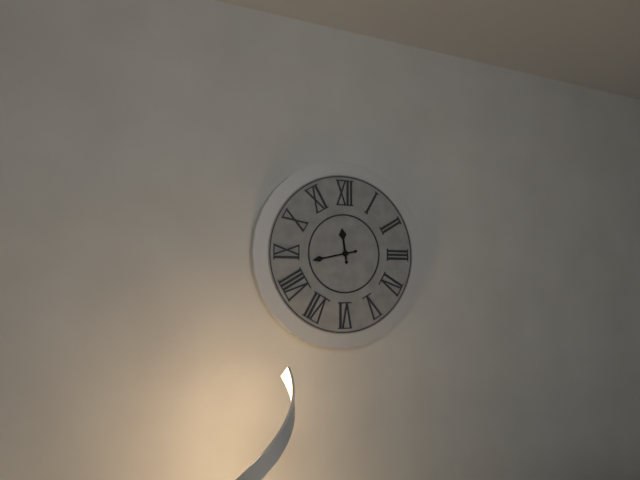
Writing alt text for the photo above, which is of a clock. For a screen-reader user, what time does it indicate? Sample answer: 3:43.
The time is 11:43
